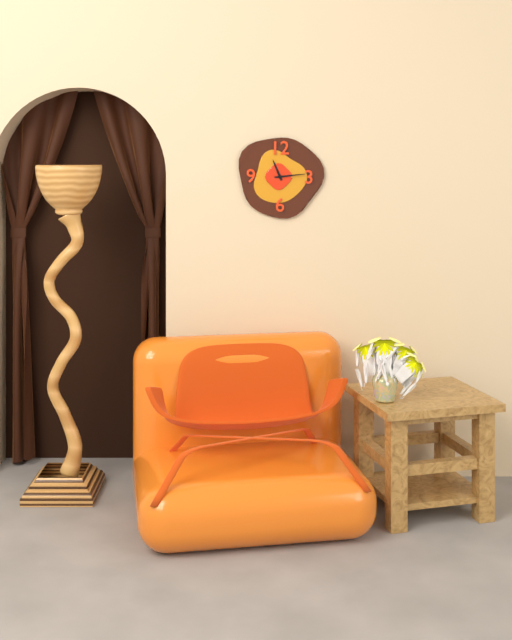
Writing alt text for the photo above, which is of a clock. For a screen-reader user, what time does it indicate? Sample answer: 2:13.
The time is 11:14
